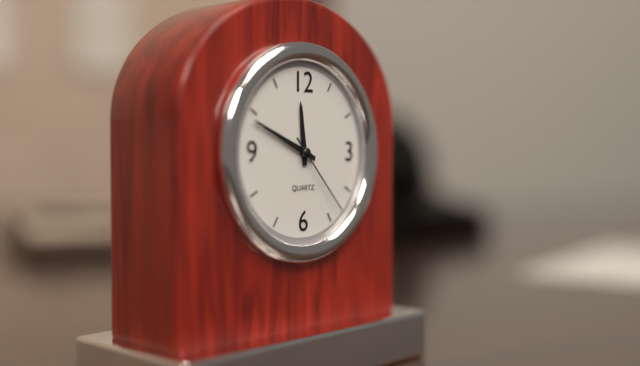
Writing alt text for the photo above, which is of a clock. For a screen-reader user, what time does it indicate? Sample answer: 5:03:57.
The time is 11:49:23
